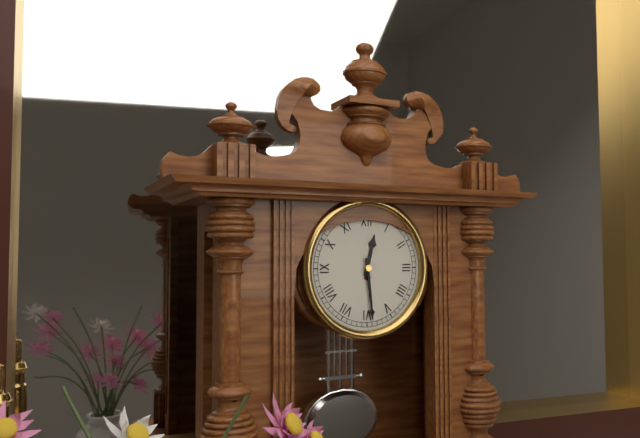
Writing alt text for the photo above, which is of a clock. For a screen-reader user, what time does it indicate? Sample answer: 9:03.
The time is 12:29
